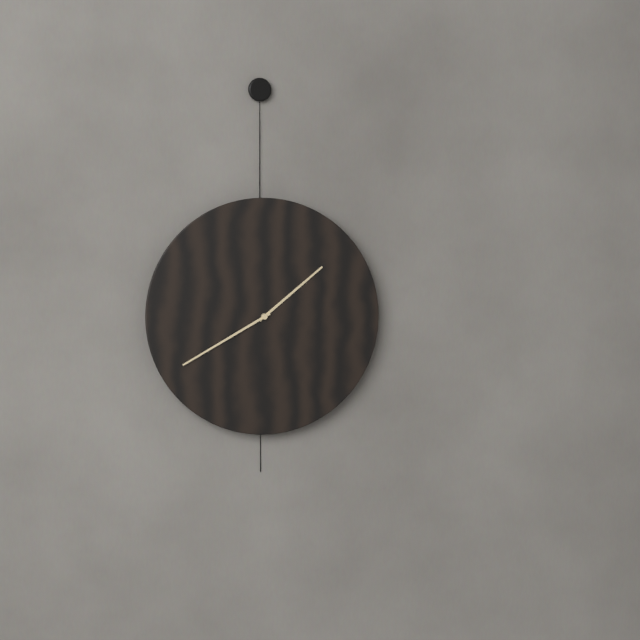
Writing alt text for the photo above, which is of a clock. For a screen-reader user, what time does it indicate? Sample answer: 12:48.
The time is 1:40
